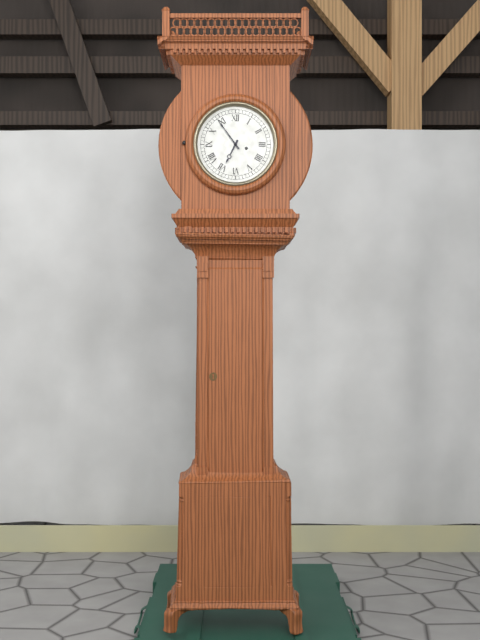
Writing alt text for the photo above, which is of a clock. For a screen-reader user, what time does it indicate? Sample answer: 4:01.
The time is 6:54
